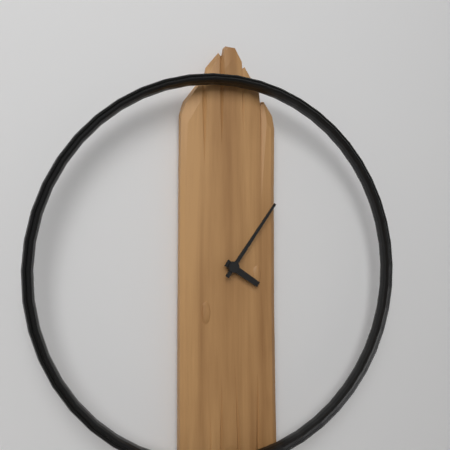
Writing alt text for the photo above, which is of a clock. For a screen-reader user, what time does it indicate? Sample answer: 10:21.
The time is 4:06
